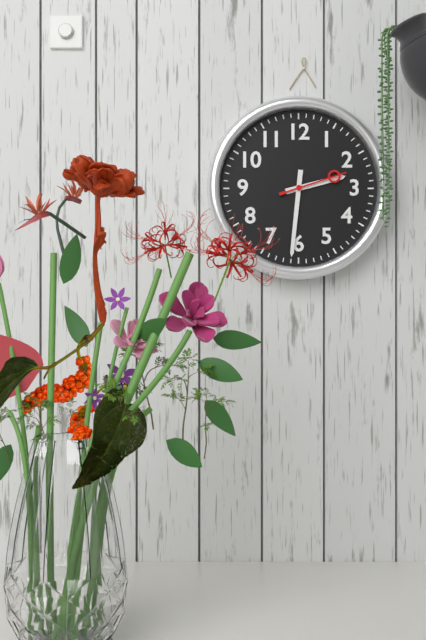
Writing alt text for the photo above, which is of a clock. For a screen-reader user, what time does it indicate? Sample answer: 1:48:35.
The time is 2:31:12
